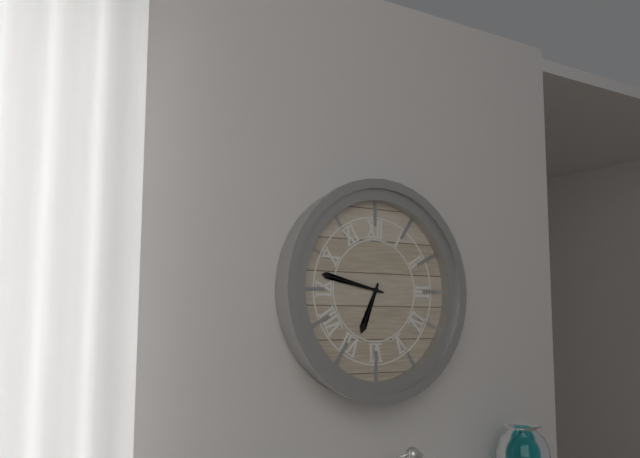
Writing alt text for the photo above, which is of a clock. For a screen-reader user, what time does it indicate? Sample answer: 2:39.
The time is 6:47
